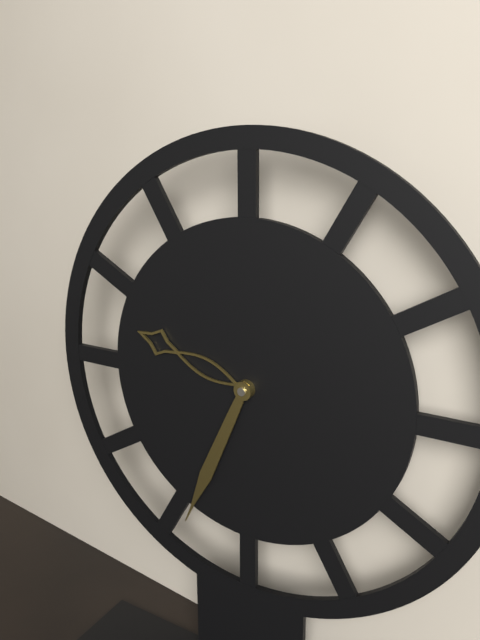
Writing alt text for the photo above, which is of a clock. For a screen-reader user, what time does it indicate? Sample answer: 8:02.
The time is 9:34
